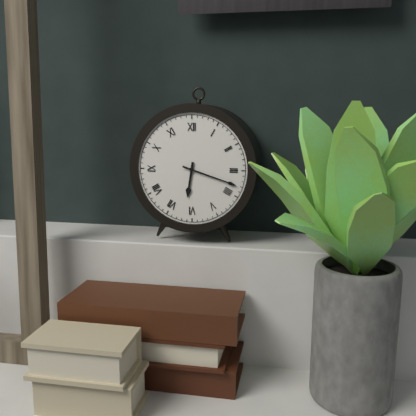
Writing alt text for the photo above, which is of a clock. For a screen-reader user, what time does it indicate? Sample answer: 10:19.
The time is 6:18
